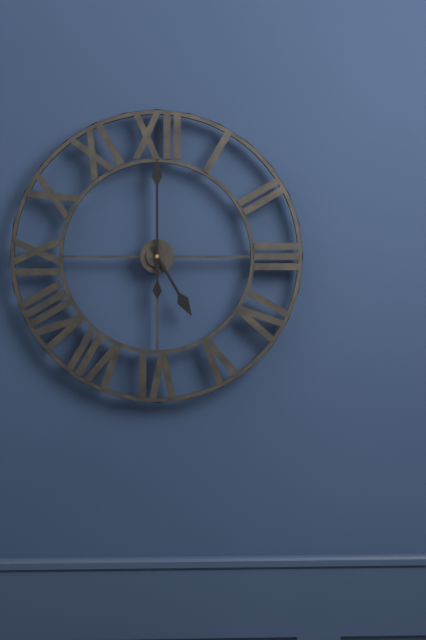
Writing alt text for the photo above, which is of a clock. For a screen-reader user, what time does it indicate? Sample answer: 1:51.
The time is 5:00
